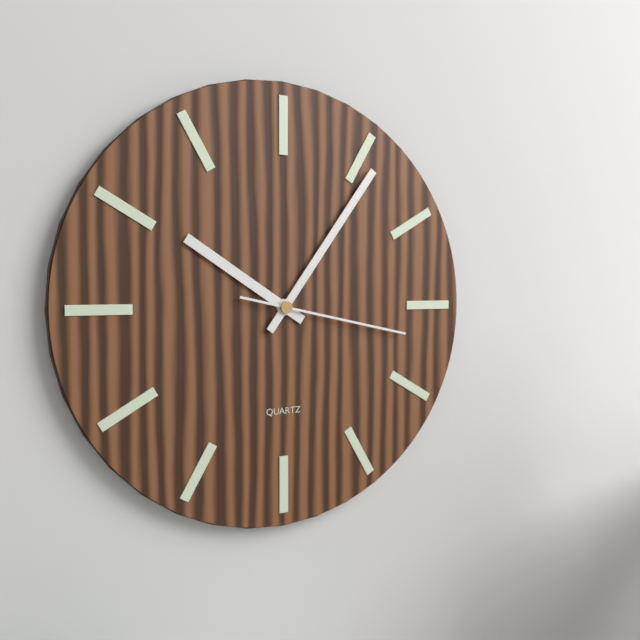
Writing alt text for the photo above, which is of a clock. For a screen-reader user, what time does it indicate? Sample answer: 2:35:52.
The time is 10:06:17
